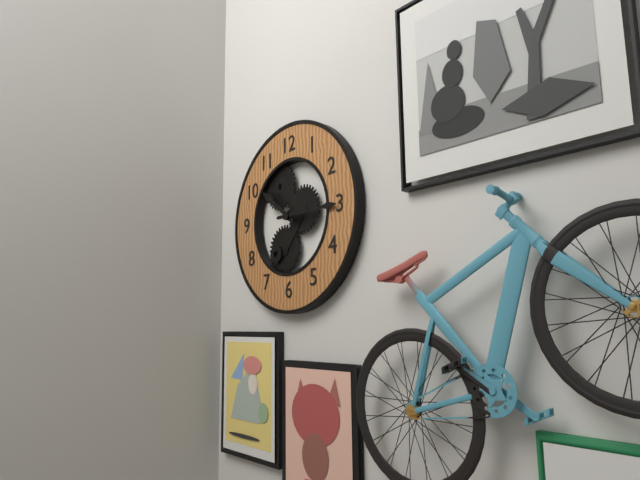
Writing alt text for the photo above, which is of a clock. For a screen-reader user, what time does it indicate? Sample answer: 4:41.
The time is 10:15
